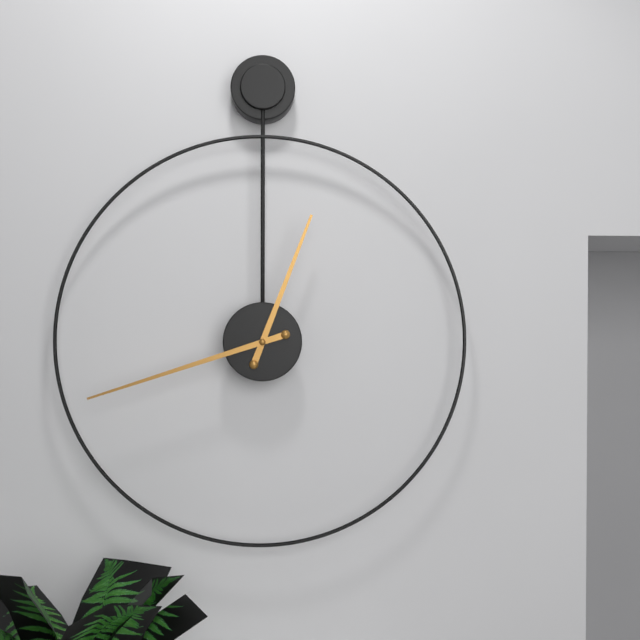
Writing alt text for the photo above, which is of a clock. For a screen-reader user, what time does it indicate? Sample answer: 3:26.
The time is 12:42
